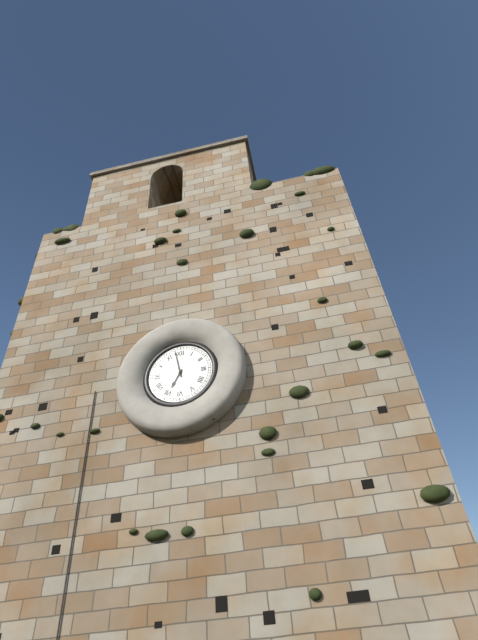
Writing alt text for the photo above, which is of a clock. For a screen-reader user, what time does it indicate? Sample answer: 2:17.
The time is 6:58
